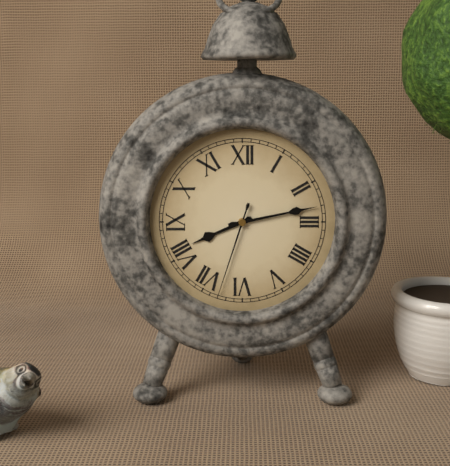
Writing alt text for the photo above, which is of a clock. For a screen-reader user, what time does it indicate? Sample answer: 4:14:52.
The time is 8:13:33
